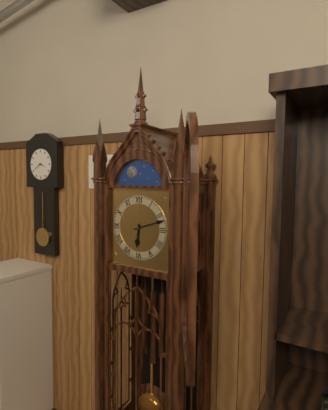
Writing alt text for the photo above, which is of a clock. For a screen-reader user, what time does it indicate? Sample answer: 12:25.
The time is 6:12
